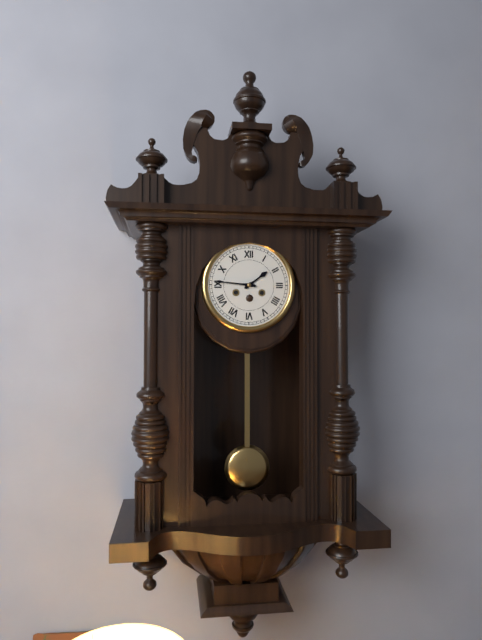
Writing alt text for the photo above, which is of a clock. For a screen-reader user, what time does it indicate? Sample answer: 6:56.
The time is 1:46
